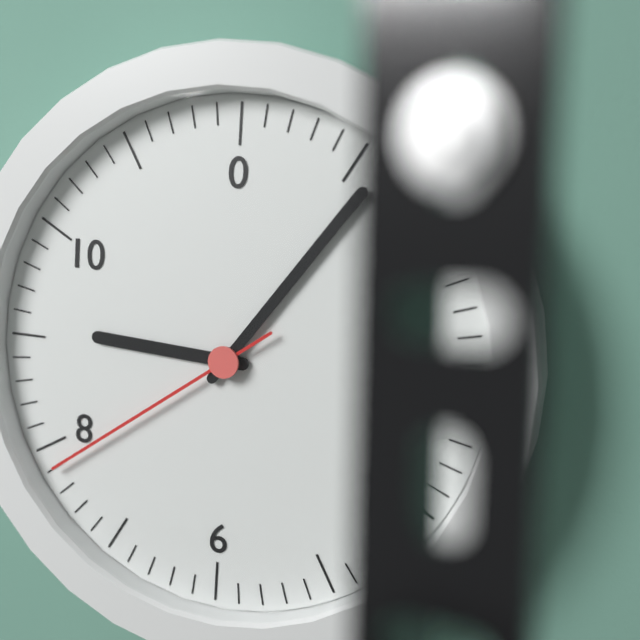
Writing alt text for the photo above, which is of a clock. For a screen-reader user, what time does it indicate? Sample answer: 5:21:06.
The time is 9:06:39
